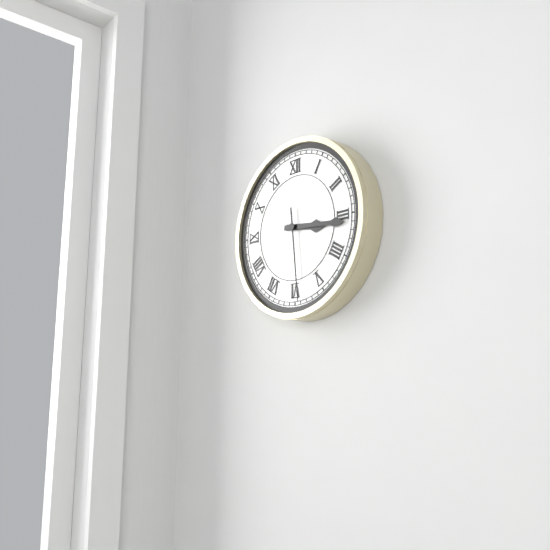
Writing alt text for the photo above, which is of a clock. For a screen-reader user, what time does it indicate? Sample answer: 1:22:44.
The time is 3:16:29
